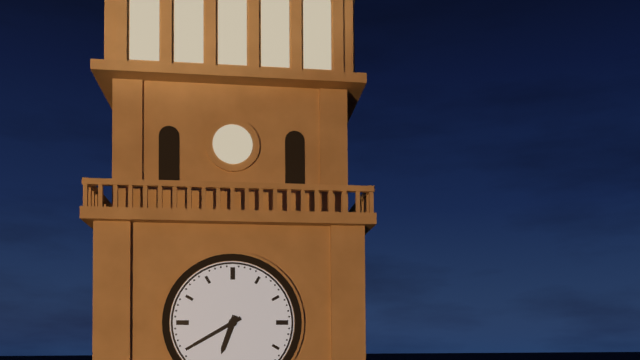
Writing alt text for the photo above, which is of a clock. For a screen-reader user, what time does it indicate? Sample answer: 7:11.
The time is 6:40
